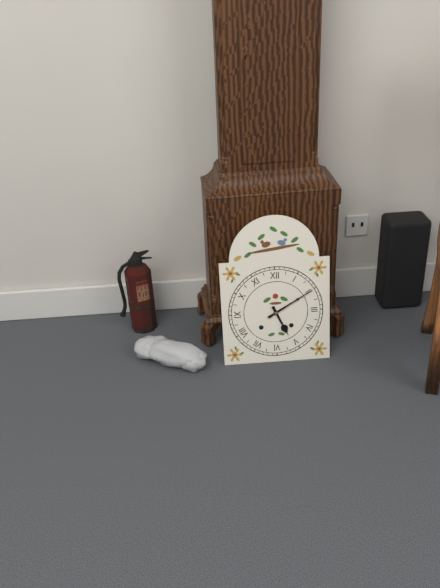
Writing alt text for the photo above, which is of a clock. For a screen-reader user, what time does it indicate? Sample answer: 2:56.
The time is 5:10
